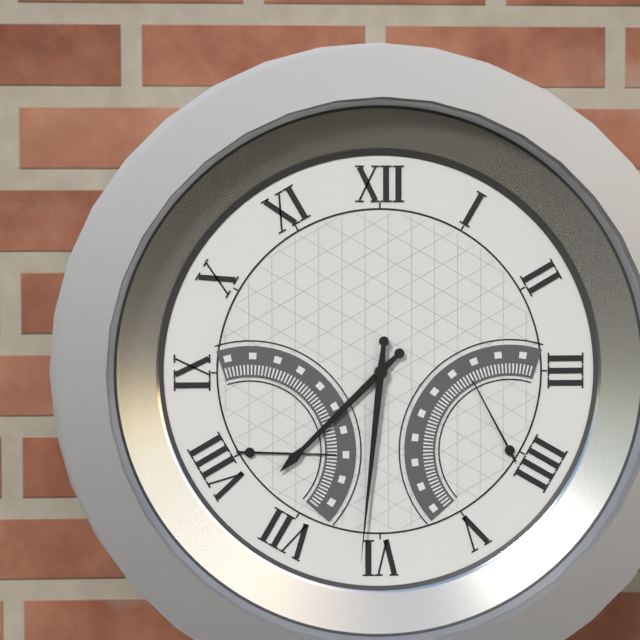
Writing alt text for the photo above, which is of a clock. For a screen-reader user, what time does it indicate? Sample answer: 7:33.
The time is 7:31
